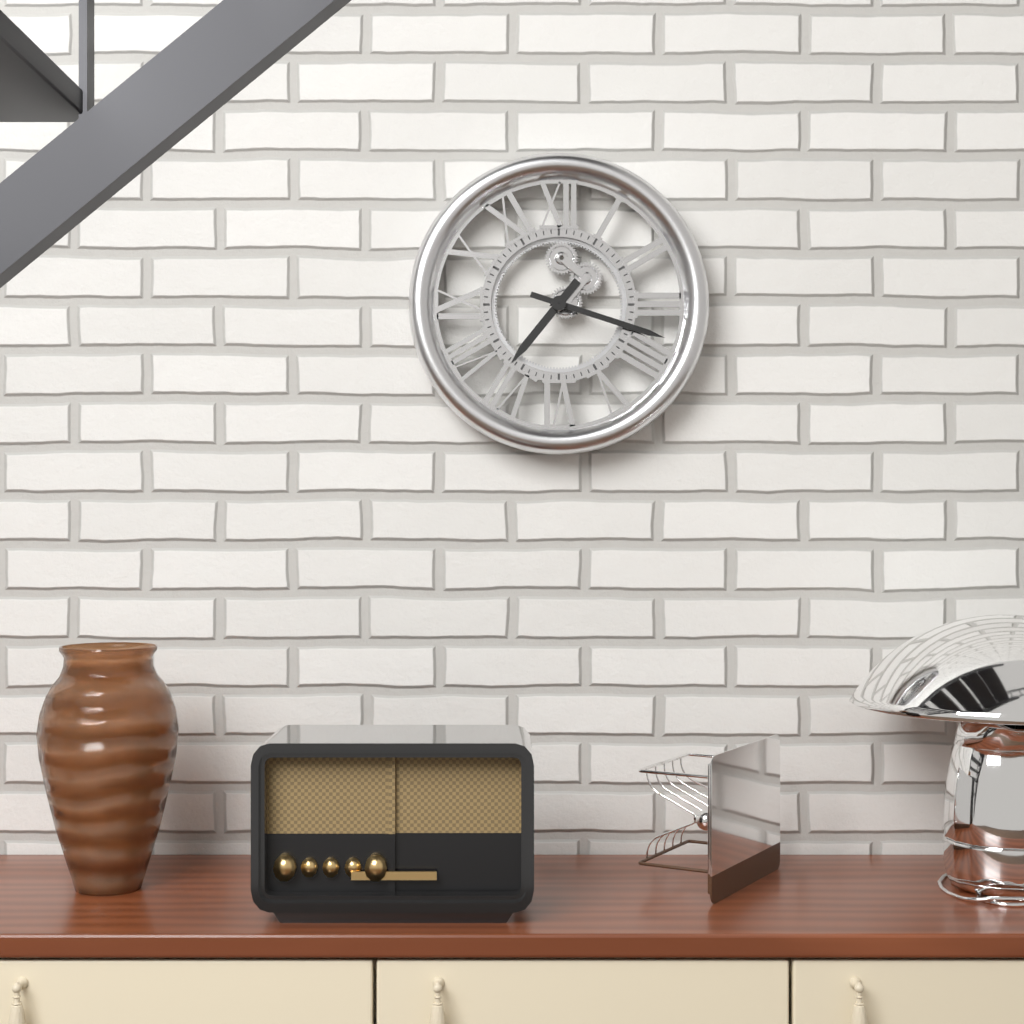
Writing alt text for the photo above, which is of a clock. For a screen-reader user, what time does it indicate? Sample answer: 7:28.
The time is 7:18
